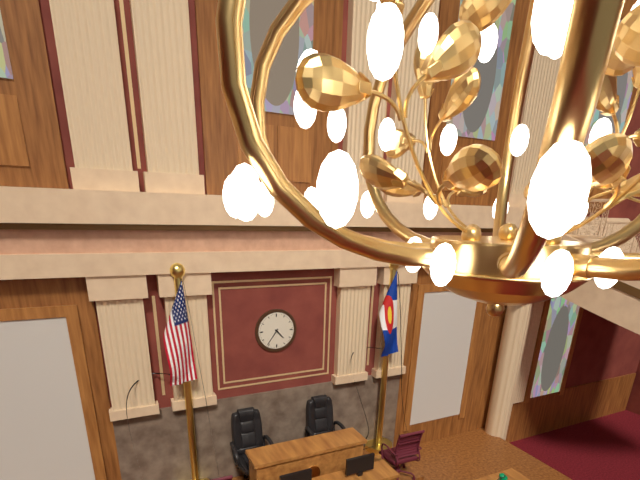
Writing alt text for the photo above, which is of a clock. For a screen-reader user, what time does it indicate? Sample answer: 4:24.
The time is 4:36
